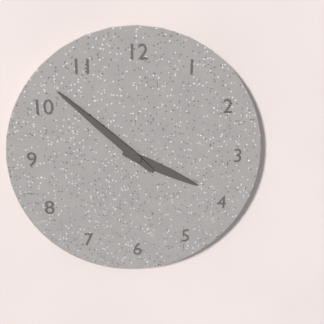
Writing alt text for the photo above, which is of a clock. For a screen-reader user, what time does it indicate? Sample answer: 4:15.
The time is 3:52
